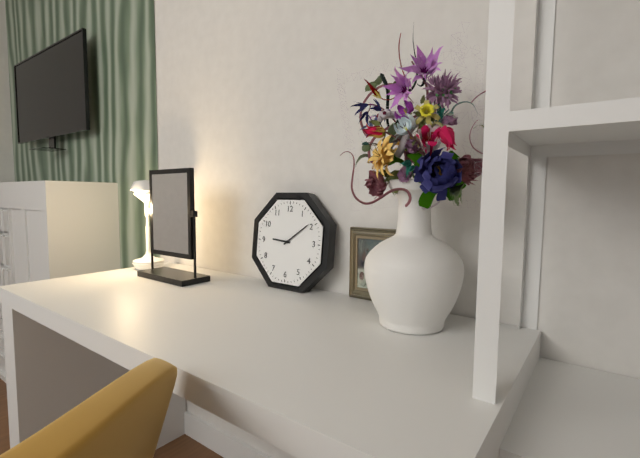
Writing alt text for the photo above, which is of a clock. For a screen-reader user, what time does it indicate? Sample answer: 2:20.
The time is 9:09
